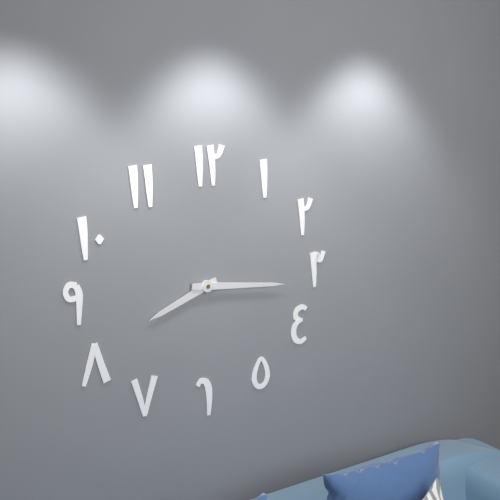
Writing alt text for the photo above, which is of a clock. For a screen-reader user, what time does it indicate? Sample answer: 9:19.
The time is 8:16
